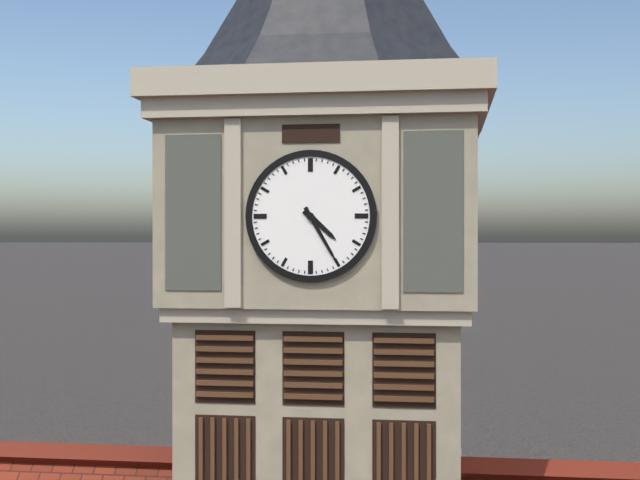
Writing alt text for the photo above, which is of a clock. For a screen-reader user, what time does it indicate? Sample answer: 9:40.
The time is 4:25
